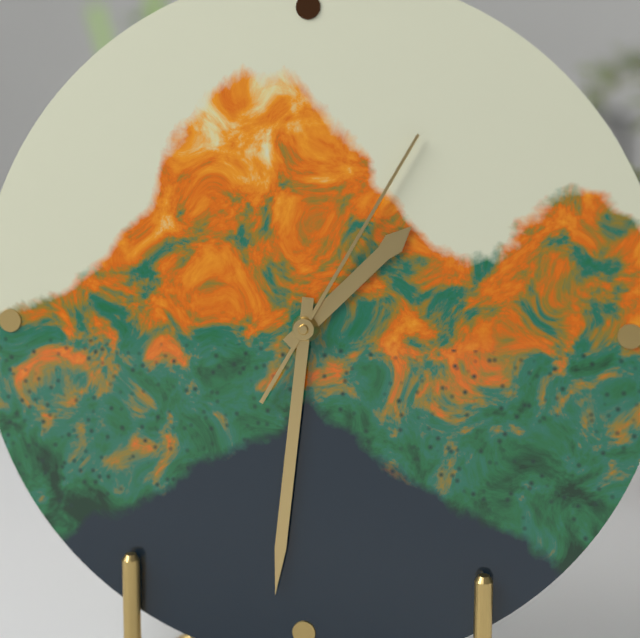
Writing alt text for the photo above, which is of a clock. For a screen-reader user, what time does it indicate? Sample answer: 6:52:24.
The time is 1:31:05
